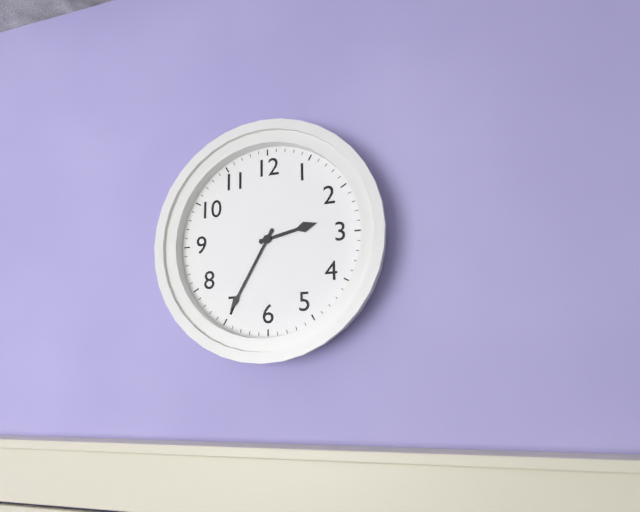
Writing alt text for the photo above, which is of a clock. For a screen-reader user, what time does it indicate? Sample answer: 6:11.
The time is 2:35
